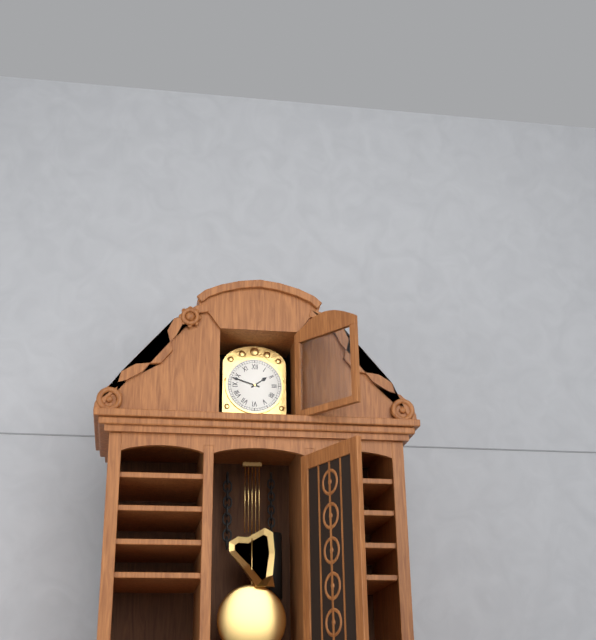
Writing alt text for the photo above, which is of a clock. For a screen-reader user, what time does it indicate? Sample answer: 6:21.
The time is 1:48
